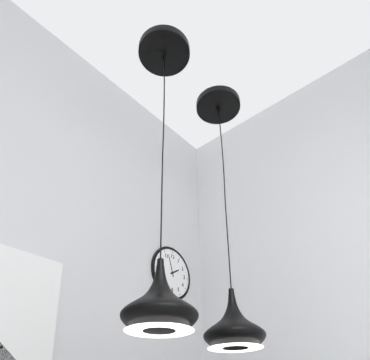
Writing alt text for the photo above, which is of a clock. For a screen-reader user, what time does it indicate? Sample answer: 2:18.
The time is 1:57
